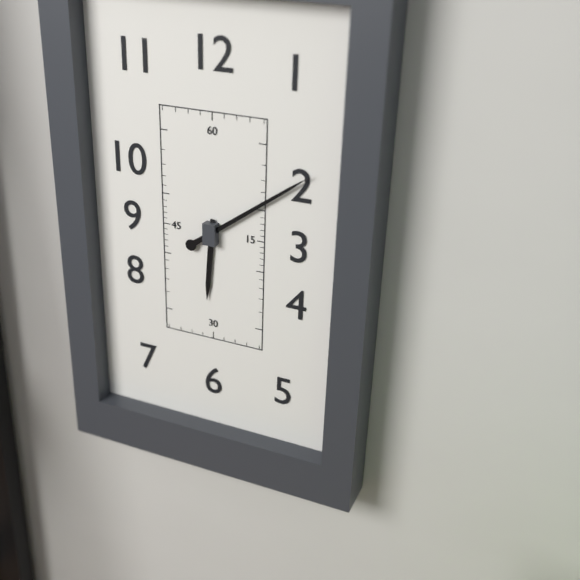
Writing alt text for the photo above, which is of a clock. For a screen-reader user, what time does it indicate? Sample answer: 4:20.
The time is 6:09
